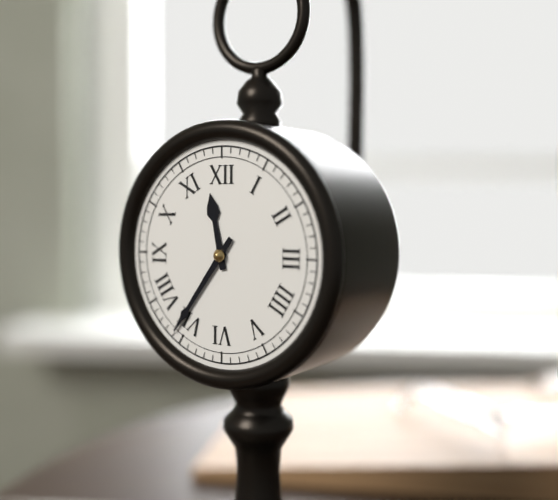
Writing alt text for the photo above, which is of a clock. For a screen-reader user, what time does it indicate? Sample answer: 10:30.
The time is 11:36
